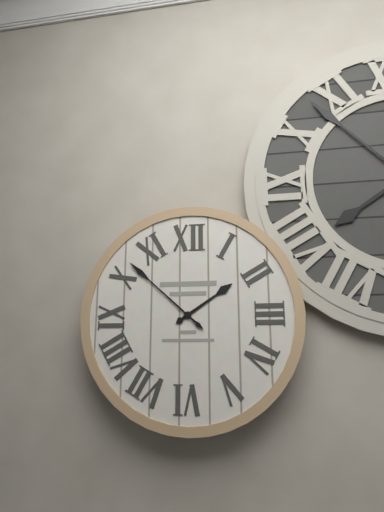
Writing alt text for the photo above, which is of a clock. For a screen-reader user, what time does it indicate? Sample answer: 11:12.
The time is 1:52
